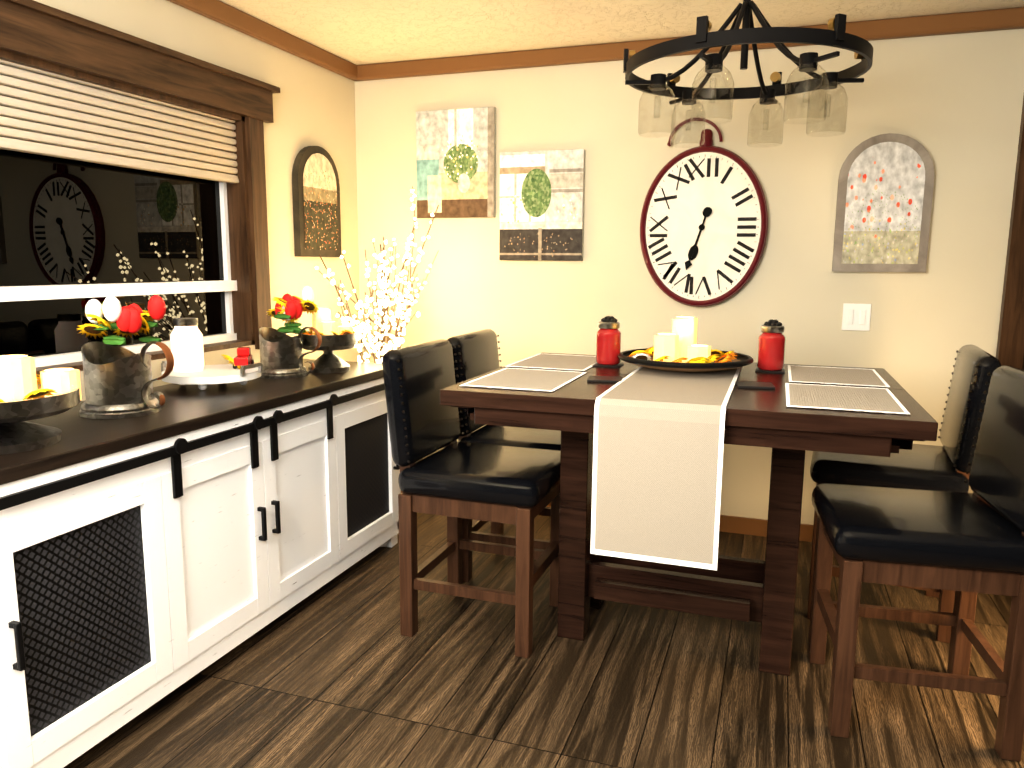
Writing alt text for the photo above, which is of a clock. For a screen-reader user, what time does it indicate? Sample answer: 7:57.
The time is 6:33
